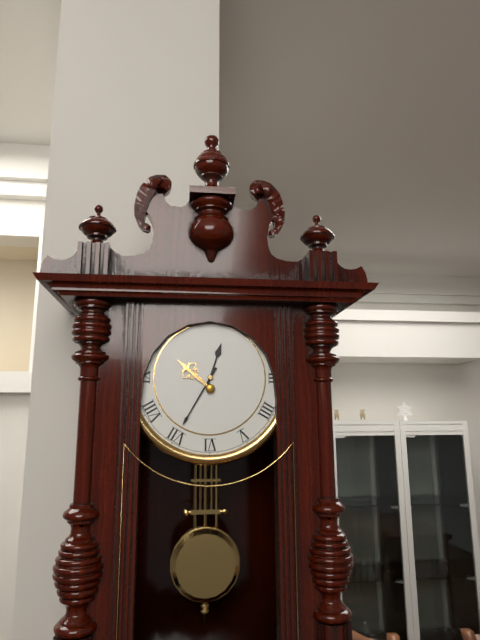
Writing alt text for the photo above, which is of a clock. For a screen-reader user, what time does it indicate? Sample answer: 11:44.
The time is 12:35
